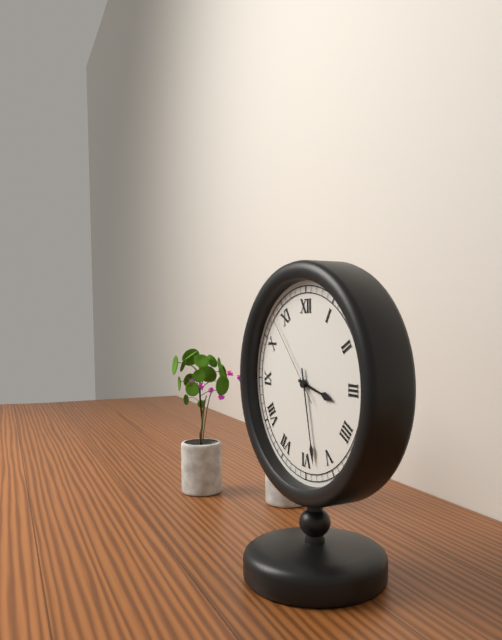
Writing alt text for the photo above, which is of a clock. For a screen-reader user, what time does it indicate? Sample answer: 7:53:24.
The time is 3:28:53
